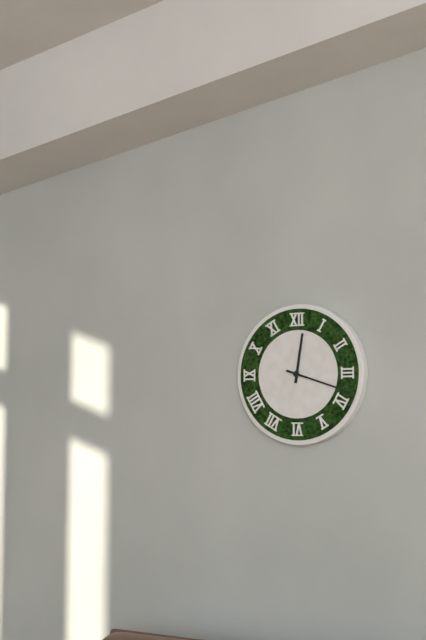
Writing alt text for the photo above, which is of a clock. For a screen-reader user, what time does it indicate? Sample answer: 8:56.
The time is 12:18
